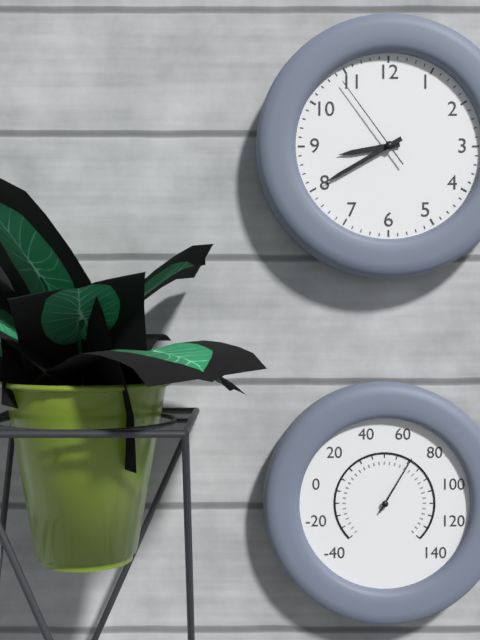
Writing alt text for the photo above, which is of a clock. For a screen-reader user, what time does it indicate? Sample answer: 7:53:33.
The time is 8:40:54
